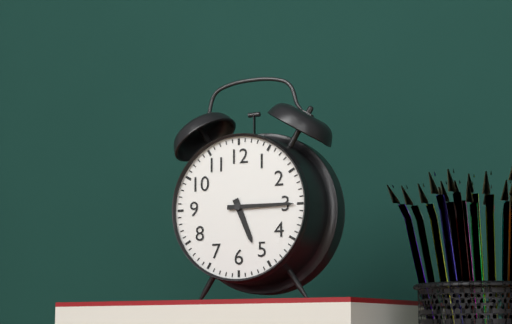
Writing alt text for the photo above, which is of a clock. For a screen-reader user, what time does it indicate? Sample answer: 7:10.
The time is 5:15
